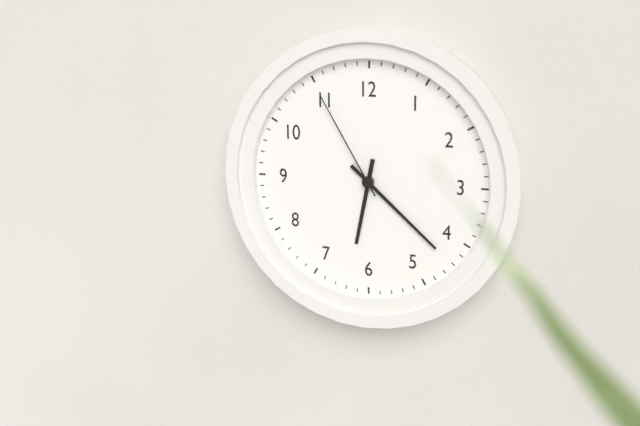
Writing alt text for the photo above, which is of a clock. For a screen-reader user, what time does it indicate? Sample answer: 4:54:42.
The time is 6:22:55
